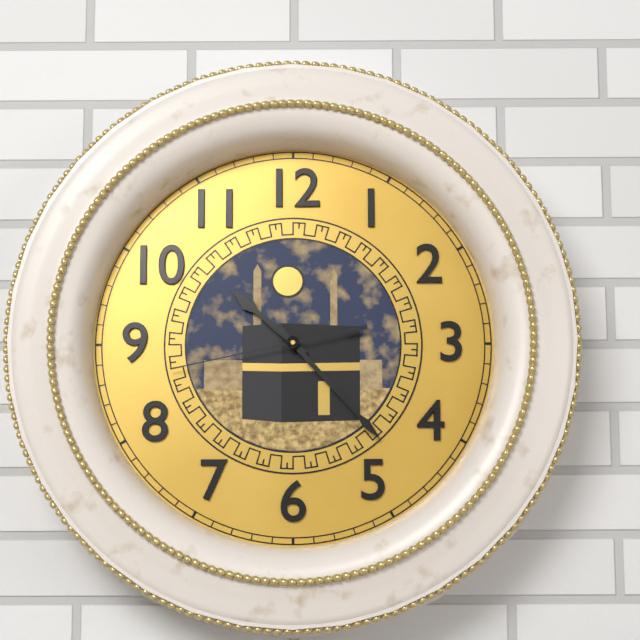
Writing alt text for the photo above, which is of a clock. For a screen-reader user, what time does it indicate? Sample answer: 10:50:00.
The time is 10:23:43
